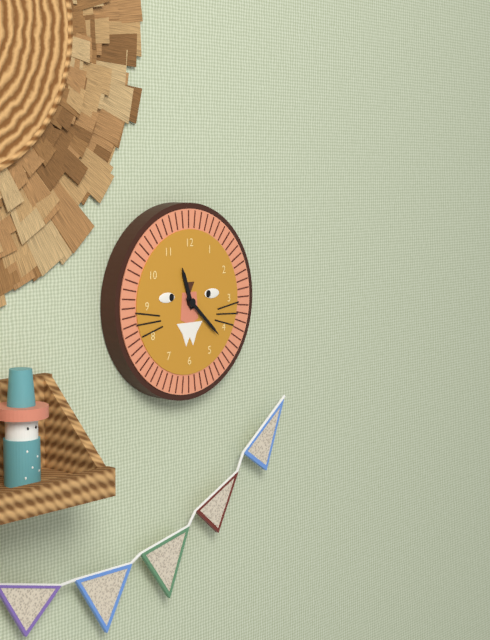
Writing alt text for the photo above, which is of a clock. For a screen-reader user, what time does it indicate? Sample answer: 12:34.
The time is 11:22
